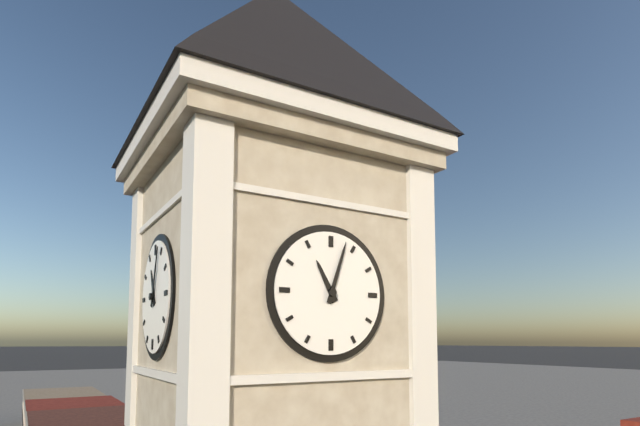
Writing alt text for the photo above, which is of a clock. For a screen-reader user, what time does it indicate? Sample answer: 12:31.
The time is 11:03
